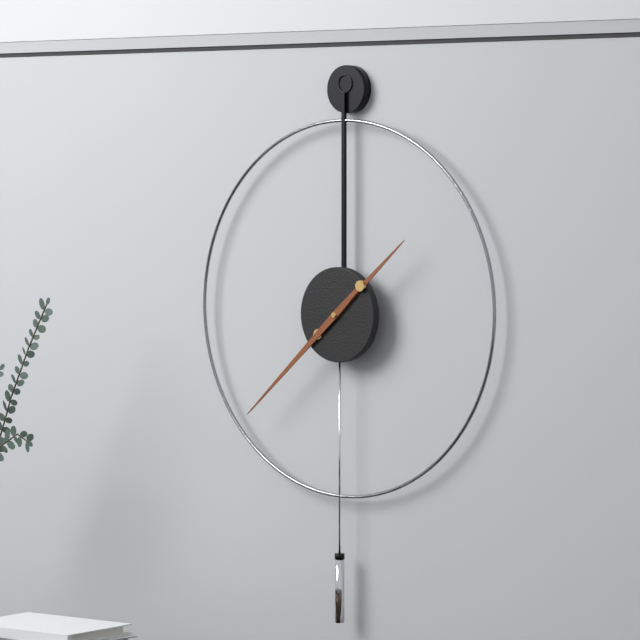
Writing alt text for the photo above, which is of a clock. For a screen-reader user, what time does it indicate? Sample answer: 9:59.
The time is 1:38
